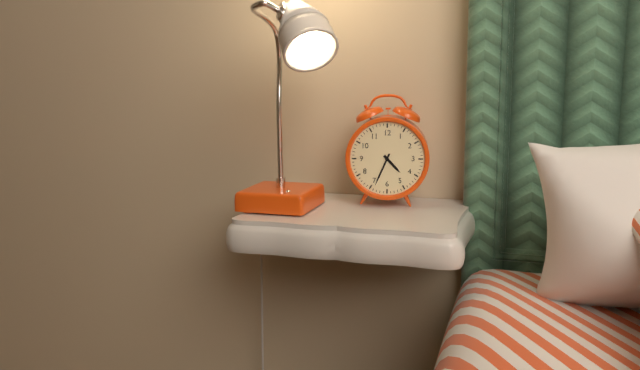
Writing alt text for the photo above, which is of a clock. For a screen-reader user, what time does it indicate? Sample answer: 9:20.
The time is 4:34
